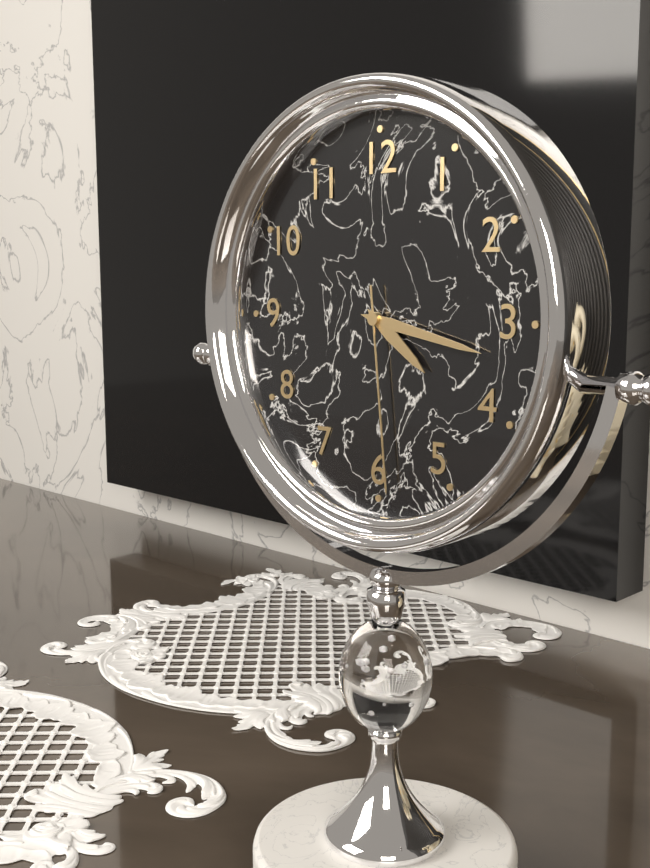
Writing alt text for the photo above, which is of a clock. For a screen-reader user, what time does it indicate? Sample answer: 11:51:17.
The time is 4:17:29
